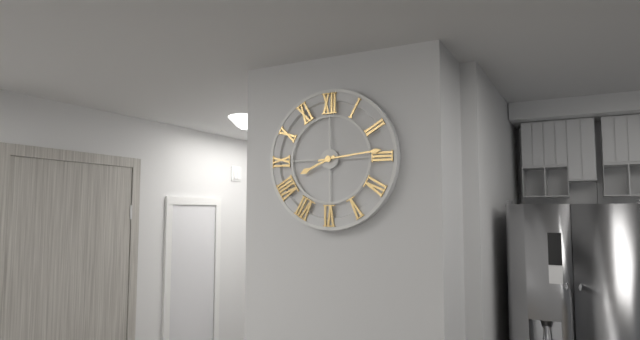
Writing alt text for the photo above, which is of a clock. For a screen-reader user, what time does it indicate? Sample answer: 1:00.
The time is 8:14
